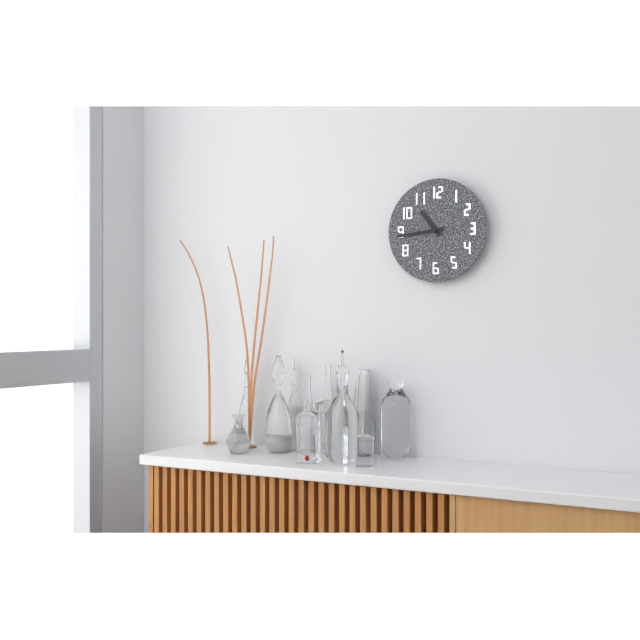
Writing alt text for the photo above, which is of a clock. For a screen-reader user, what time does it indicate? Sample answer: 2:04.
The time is 10:44
